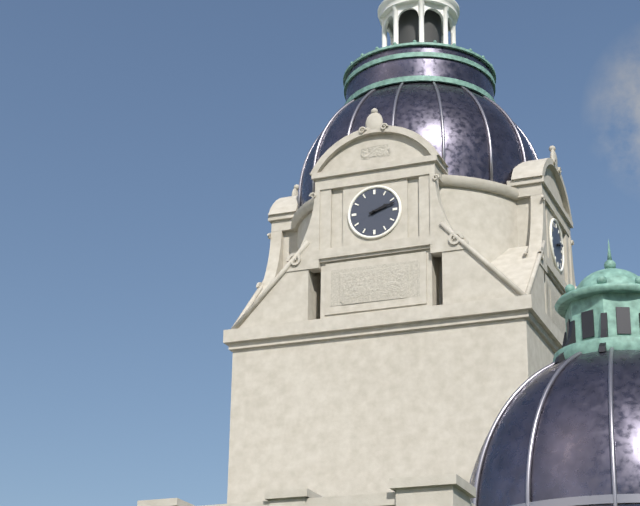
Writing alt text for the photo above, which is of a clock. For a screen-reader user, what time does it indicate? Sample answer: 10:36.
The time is 2:12
